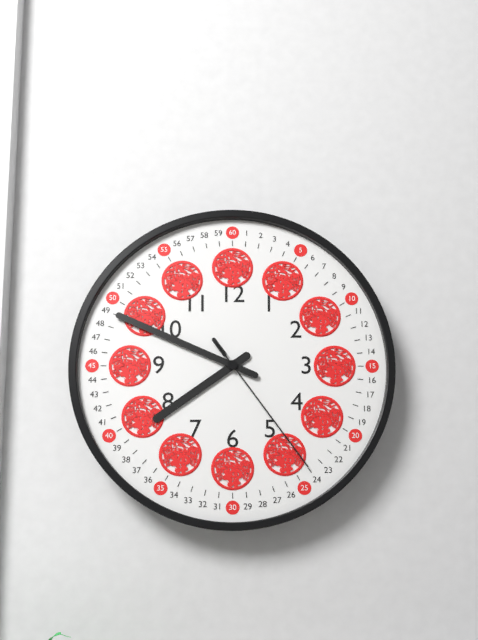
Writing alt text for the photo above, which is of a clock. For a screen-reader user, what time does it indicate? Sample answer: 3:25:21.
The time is 7:49:24
